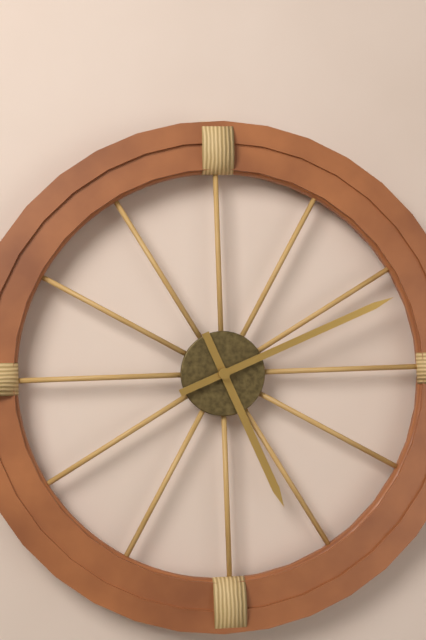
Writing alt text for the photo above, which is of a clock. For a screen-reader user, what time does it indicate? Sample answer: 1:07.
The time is 5:11
